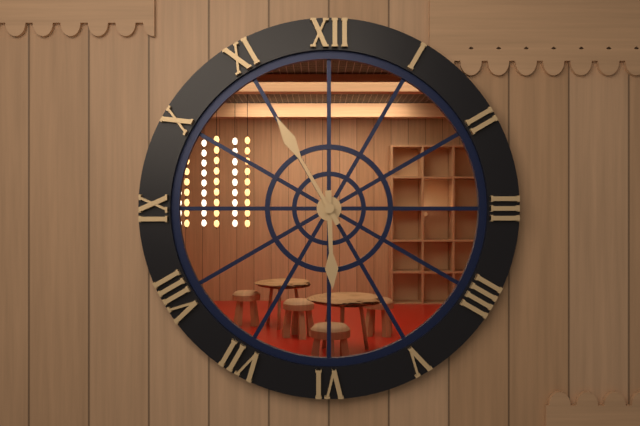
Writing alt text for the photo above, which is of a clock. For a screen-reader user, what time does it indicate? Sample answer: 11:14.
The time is 5:55
